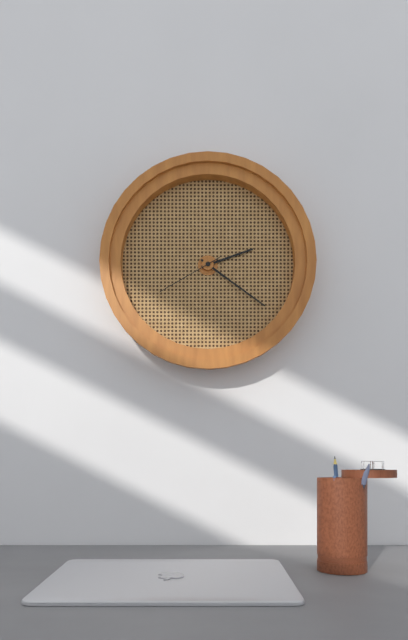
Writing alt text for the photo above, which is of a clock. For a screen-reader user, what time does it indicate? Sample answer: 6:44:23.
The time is 2:21:40
